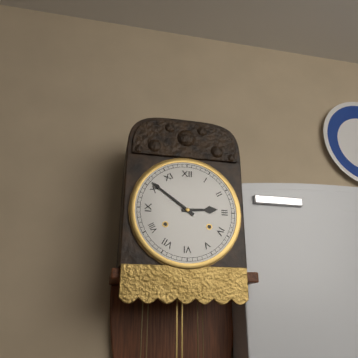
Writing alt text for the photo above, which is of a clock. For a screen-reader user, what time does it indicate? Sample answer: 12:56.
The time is 2:51
